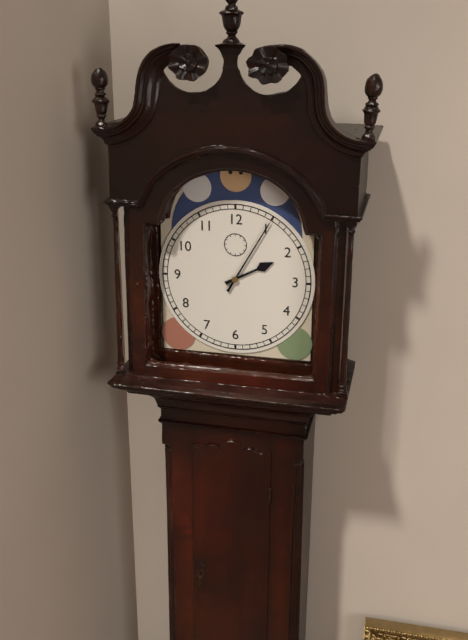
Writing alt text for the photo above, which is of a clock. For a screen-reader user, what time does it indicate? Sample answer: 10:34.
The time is 2:05
